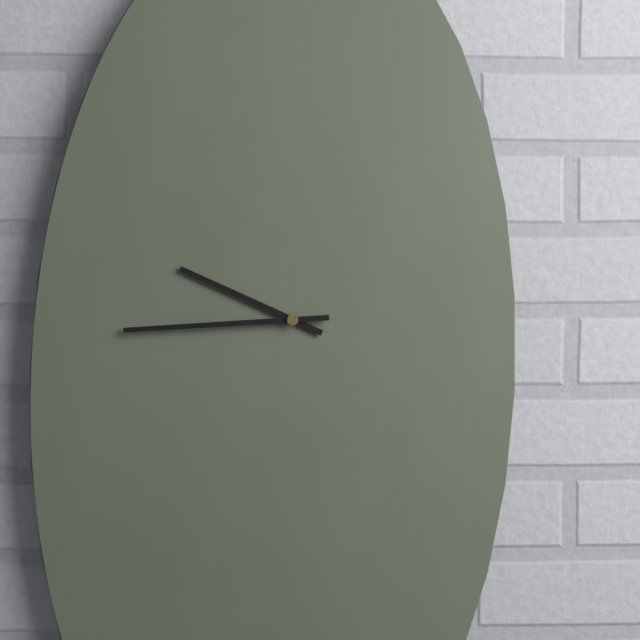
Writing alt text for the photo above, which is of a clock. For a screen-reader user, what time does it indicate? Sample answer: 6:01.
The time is 9:44
